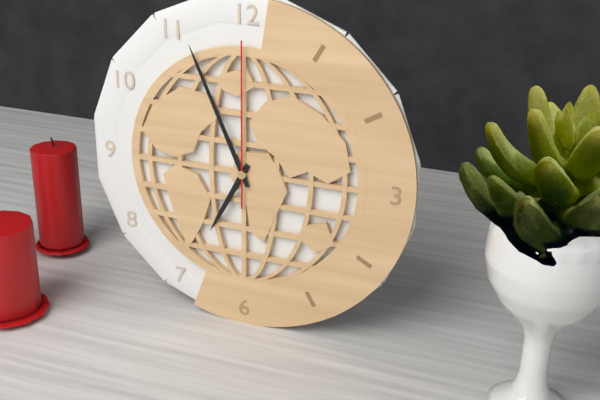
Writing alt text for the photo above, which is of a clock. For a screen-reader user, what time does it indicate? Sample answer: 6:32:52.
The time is 6:56:00
